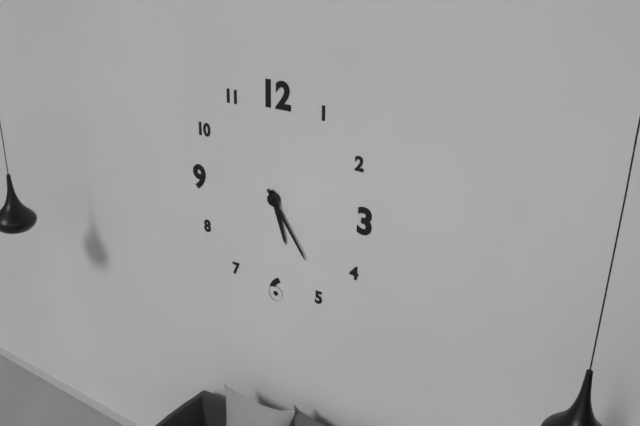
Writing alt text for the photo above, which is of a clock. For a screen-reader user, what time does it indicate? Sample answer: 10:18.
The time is 5:24
